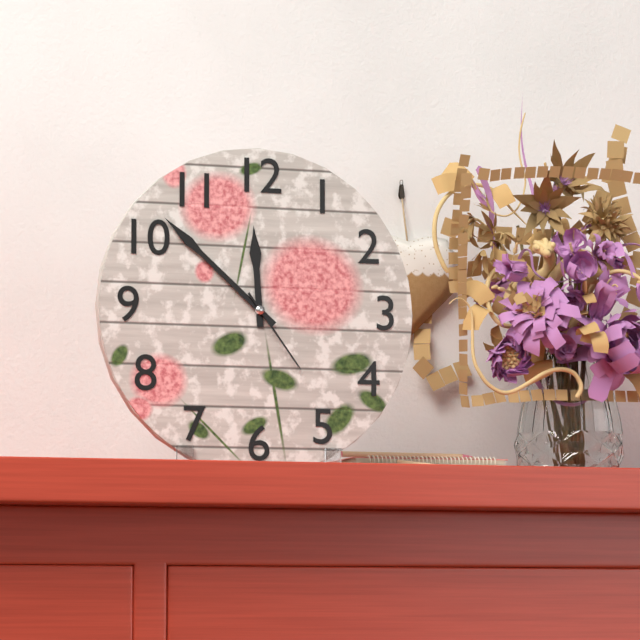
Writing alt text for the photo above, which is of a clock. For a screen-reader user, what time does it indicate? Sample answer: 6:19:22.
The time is 11:52:24
